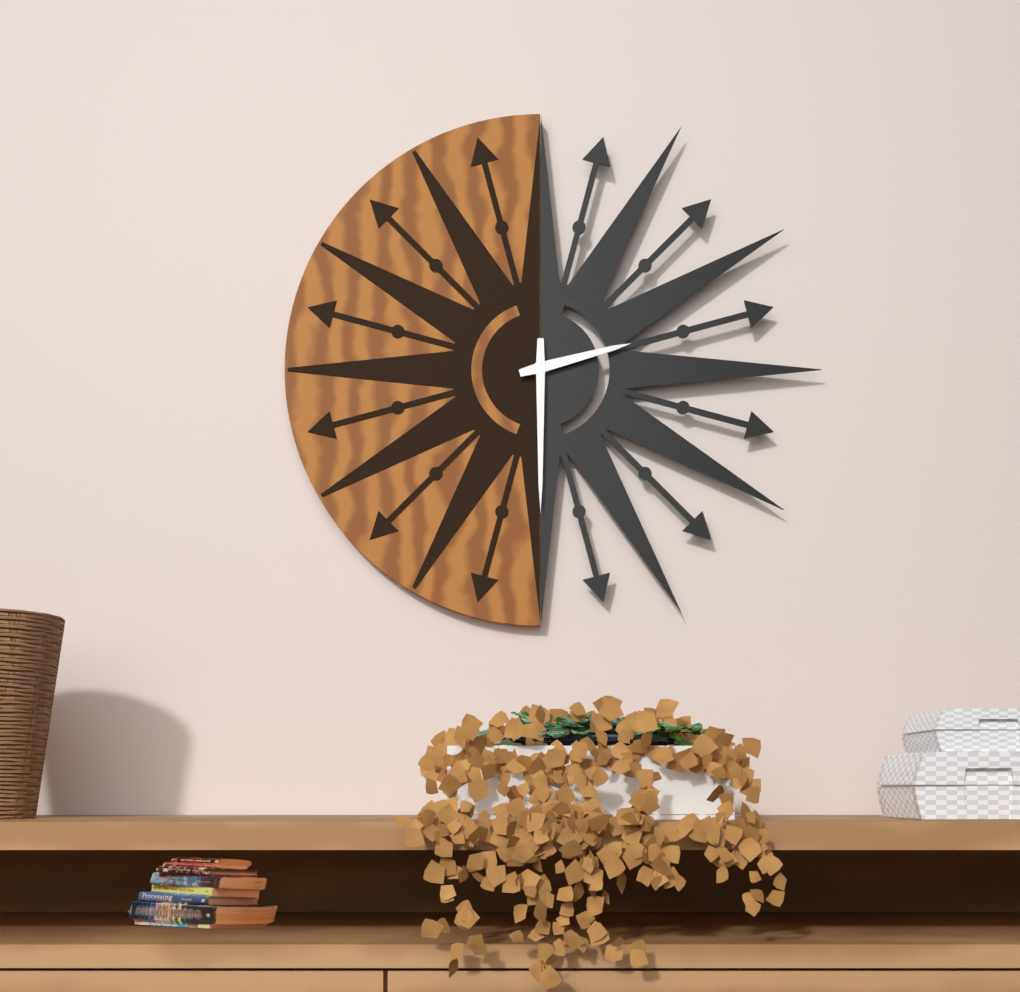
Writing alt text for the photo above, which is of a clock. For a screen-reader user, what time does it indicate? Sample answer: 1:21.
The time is 2:30
